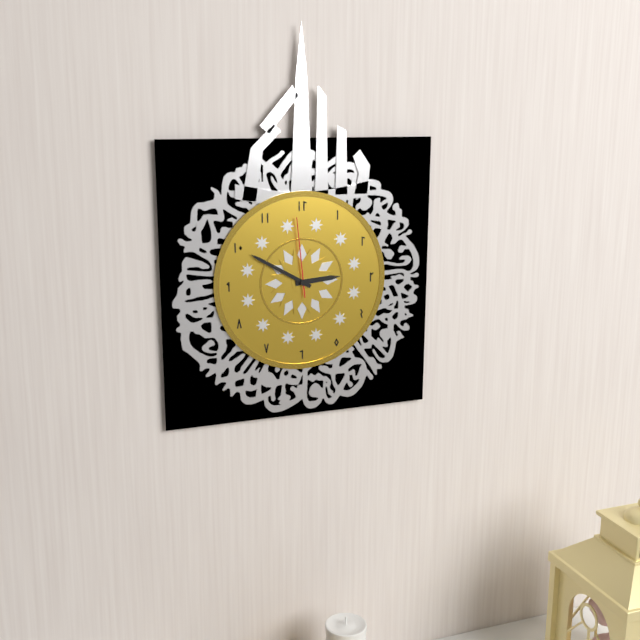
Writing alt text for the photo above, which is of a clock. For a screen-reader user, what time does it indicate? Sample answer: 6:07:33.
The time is 2:50:59
